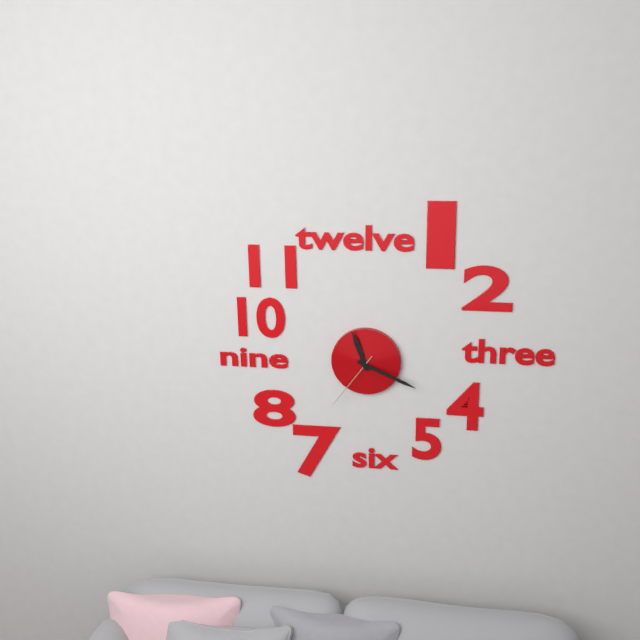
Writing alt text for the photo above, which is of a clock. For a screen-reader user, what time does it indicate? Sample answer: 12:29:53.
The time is 11:19:36
